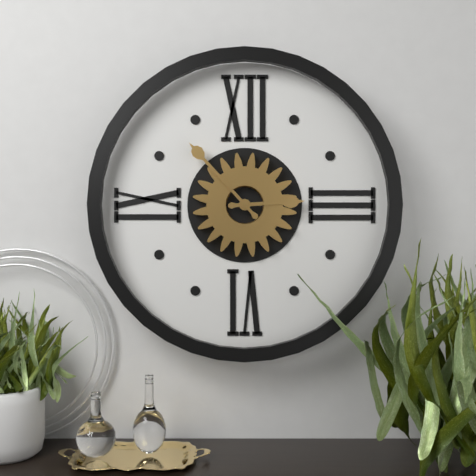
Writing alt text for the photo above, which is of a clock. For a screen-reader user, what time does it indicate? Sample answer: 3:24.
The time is 2:53
